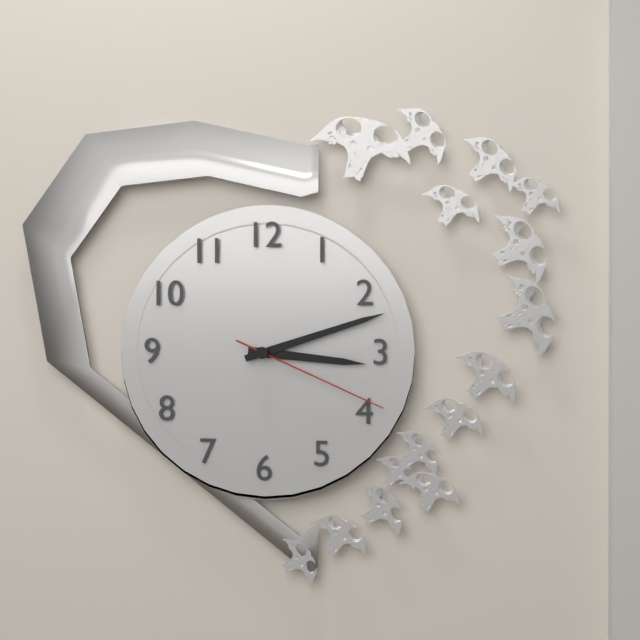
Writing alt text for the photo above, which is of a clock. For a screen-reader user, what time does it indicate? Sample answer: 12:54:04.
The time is 3:12:19
